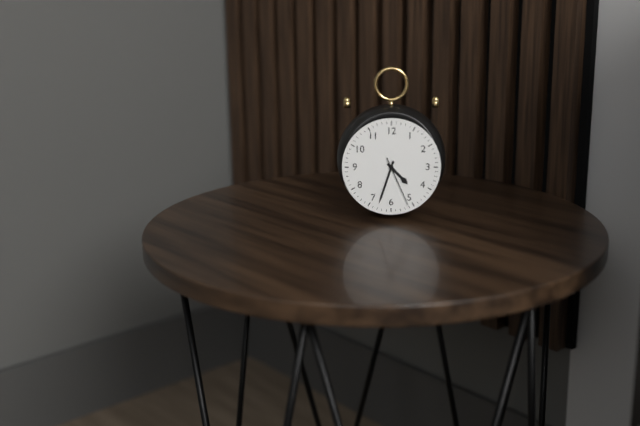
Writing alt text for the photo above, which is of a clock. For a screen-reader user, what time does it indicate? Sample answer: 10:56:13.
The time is 4:33:26
